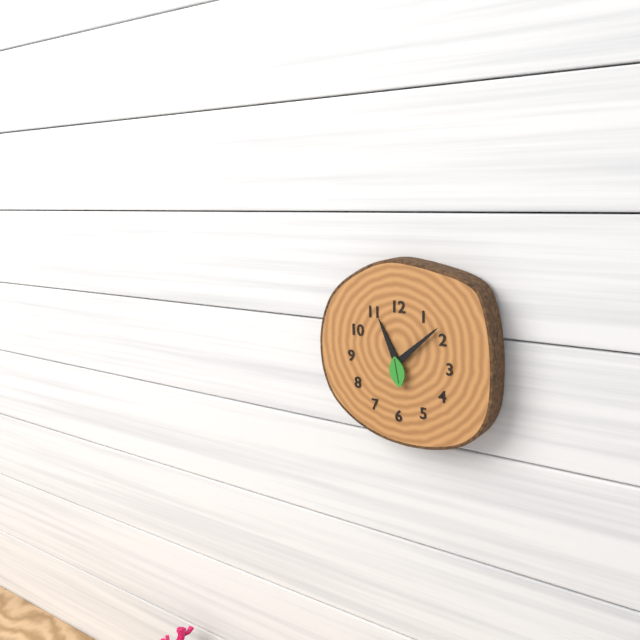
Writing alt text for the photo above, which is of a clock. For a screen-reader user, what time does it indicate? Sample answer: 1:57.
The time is 11:08
